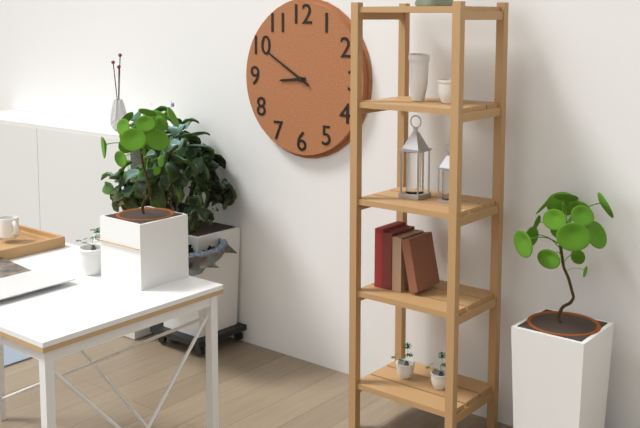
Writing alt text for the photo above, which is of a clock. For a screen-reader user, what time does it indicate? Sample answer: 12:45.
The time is 8:50
